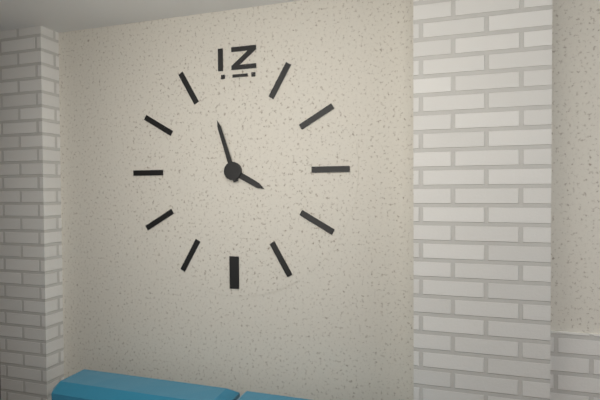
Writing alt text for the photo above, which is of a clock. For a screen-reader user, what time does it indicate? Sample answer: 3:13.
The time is 3:57
